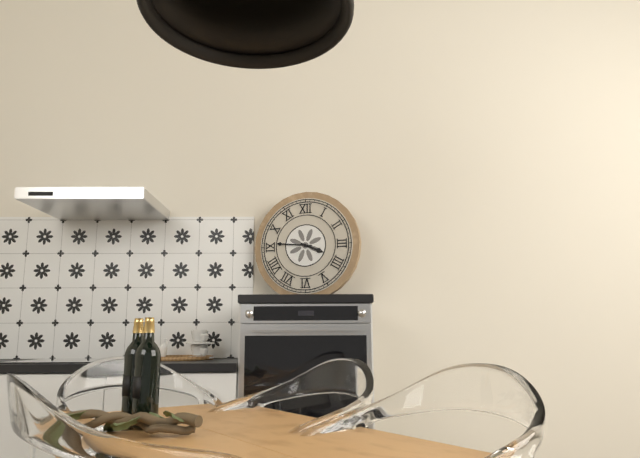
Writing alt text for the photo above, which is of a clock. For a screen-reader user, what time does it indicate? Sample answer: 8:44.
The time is 3:46
